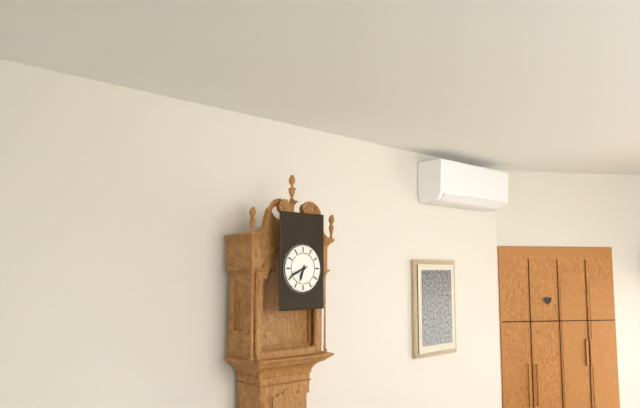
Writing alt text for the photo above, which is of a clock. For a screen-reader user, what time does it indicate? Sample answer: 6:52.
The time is 6:41
